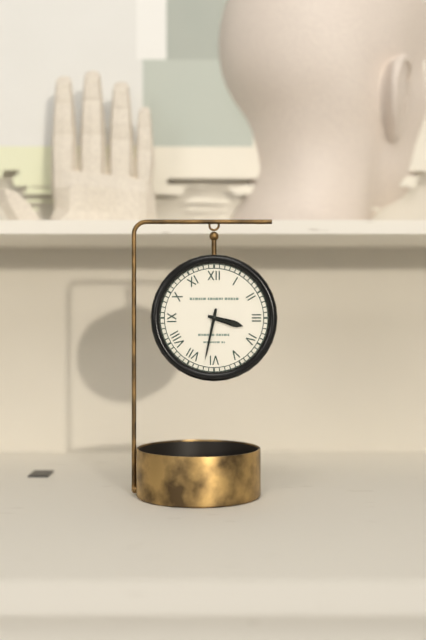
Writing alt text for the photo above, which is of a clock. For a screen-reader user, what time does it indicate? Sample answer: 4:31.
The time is 3:32
